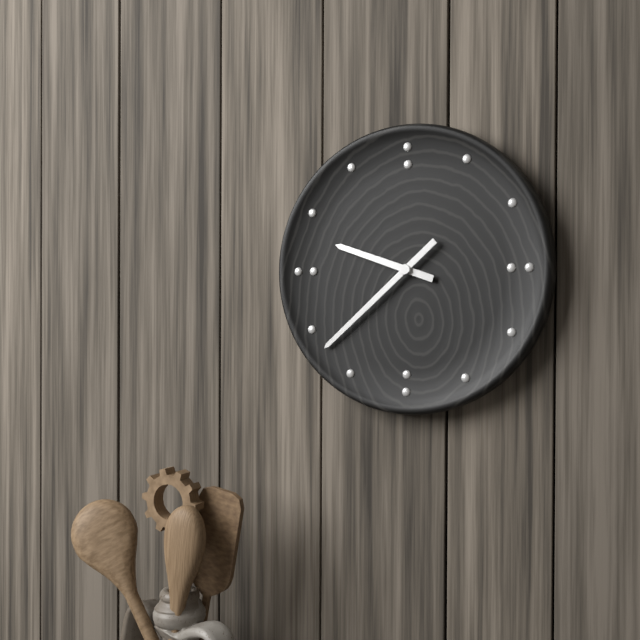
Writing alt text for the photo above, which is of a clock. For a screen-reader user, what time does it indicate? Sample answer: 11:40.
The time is 9:38
